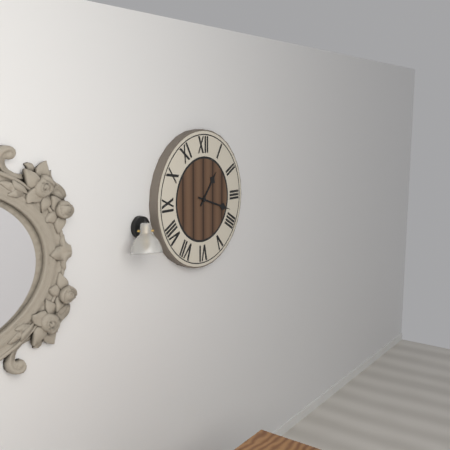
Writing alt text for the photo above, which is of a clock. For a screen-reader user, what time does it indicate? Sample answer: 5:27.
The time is 1:18
